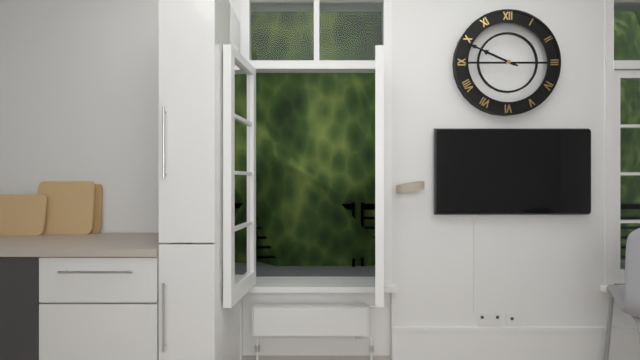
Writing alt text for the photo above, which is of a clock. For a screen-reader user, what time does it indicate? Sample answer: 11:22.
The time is 9:49
